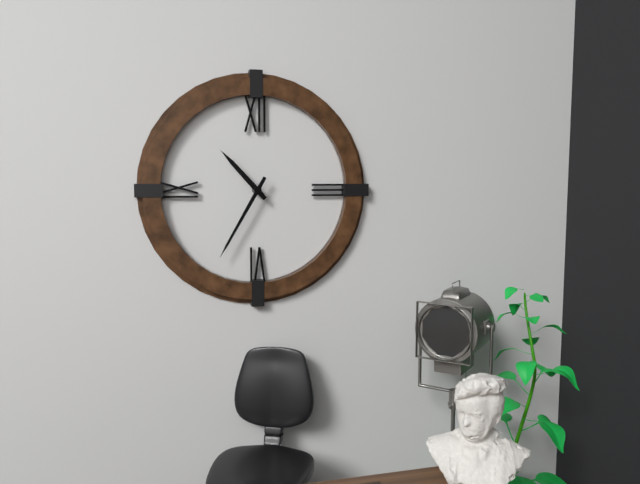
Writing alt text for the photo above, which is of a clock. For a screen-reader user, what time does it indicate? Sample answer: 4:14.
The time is 10:35
